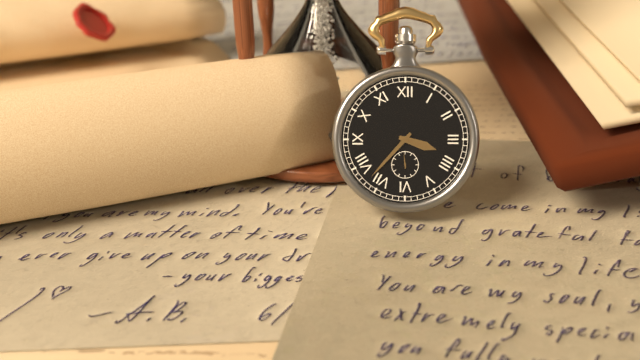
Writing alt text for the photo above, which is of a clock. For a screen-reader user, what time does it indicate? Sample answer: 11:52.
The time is 3:37
